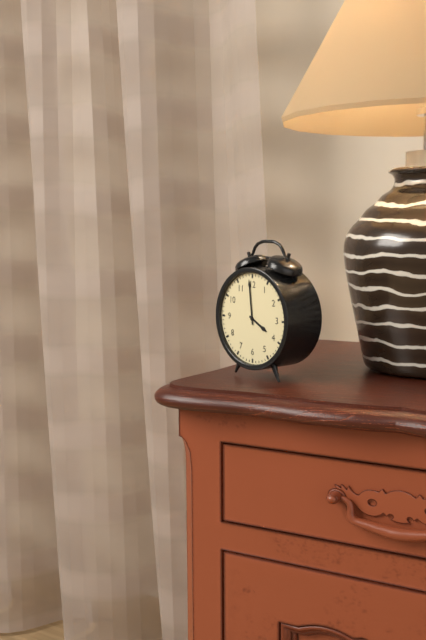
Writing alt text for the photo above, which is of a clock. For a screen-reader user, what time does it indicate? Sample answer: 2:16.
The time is 3:59
